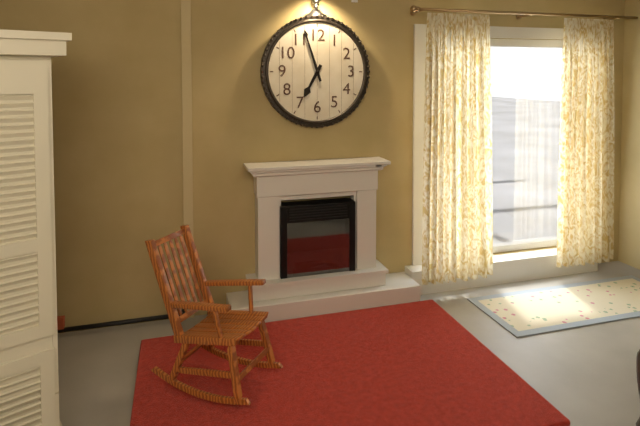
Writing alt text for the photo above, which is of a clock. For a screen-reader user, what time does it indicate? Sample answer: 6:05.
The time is 6:57
